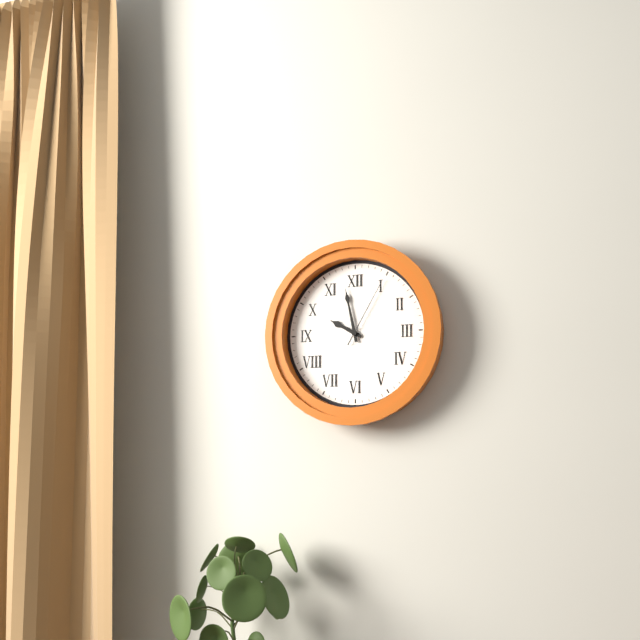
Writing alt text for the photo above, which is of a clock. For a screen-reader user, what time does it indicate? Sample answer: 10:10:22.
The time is 9:58:05
